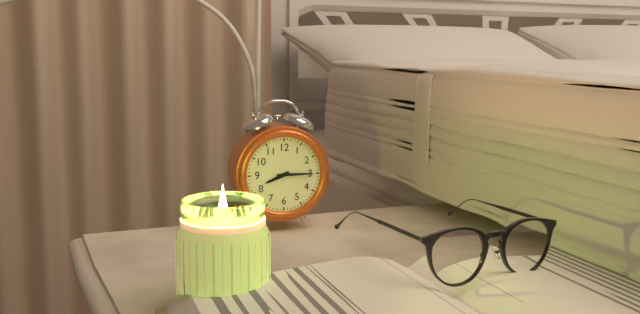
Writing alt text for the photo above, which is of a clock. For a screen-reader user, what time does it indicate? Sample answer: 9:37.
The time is 8:15
